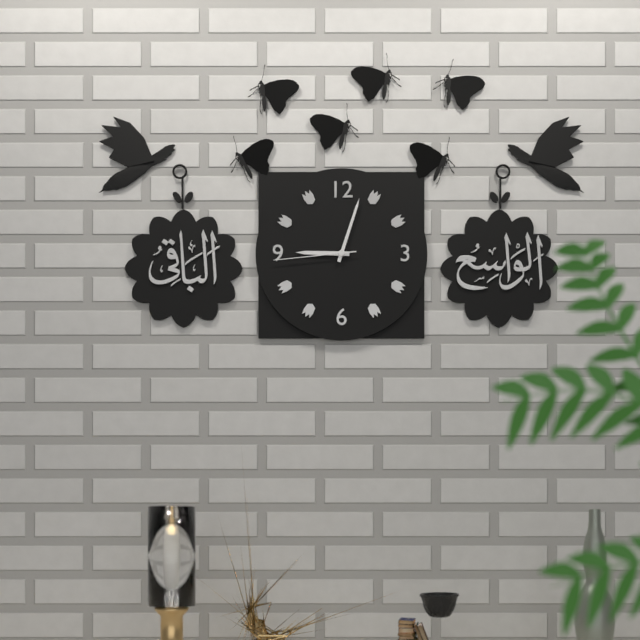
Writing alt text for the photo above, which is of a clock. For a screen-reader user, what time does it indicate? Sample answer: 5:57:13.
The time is 9:03:44
